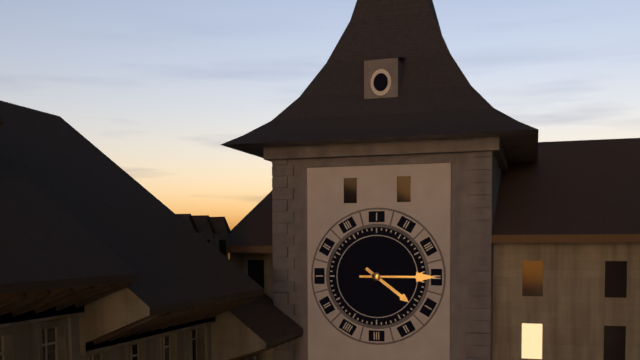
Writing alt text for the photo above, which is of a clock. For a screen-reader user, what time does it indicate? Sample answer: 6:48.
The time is 4:15
